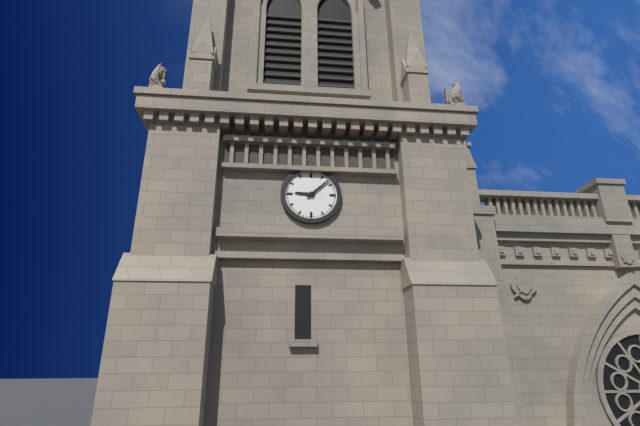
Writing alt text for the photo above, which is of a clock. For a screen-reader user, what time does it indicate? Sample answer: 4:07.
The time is 9:08
